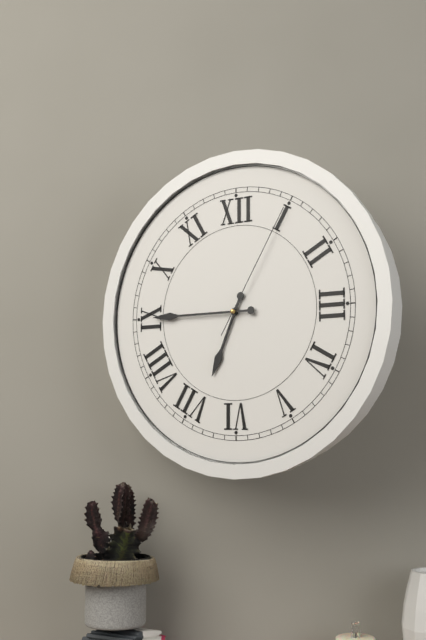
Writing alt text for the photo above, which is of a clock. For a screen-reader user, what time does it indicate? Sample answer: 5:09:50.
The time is 6:45:05
